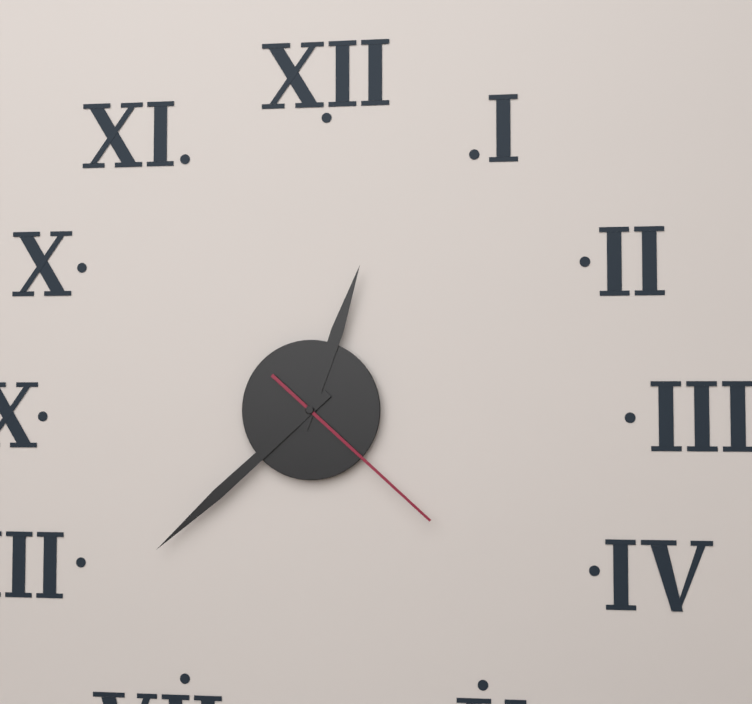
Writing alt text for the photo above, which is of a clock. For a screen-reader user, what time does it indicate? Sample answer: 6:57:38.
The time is 12:38:22
